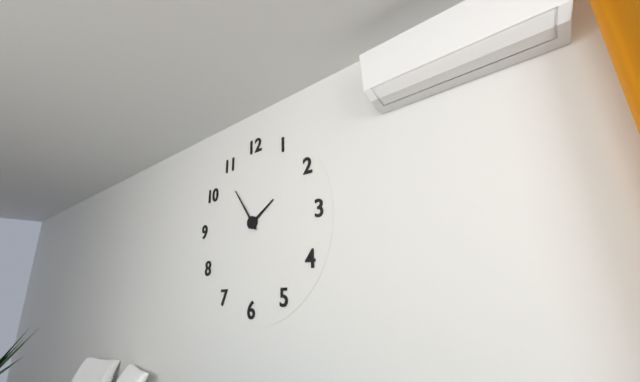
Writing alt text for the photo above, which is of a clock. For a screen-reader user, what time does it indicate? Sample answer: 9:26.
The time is 1:54
